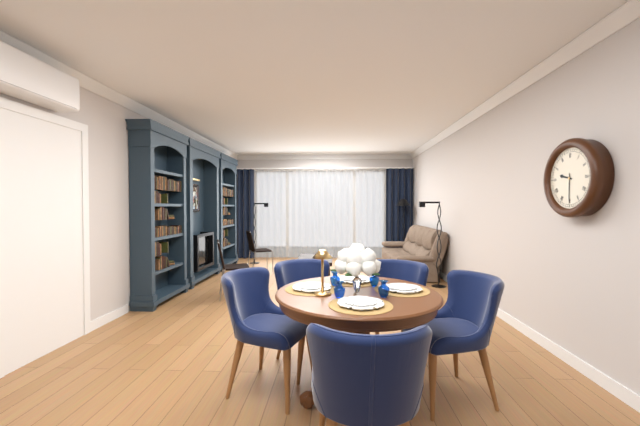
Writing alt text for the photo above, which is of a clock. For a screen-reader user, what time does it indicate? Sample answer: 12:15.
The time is 9:30
